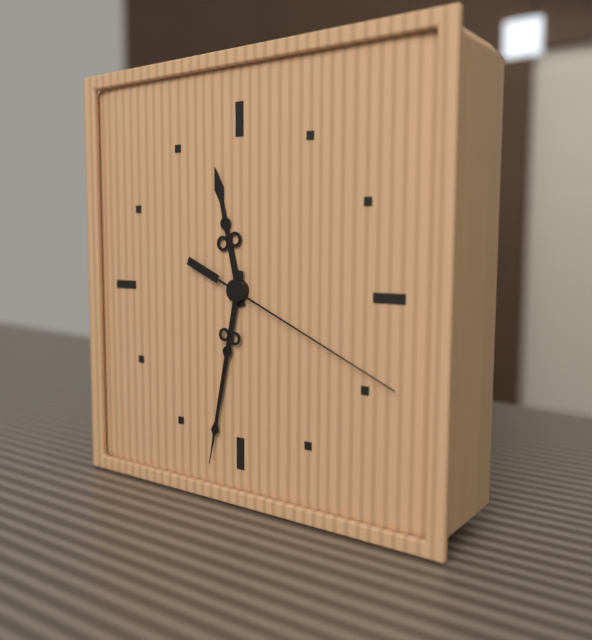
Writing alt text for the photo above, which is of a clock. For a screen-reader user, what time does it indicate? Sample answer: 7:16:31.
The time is 11:32:19
